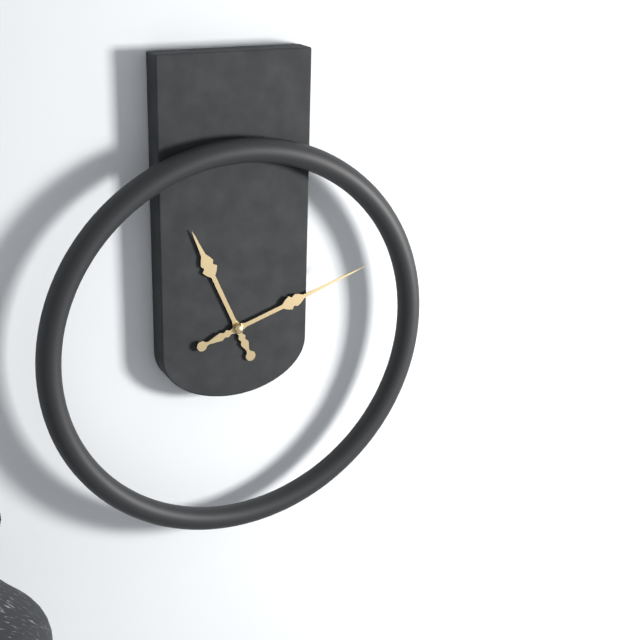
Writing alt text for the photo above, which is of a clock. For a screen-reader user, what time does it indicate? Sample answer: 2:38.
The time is 11:12
